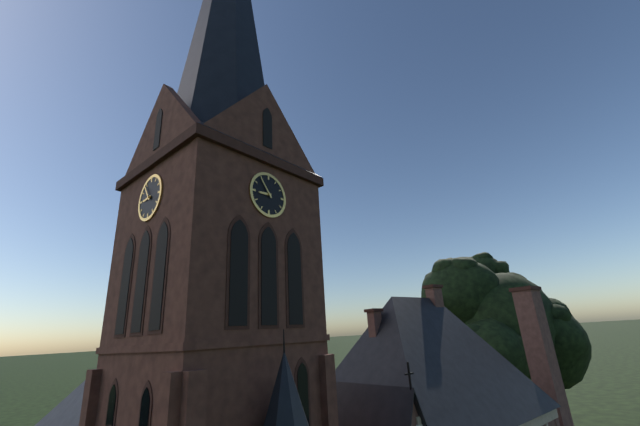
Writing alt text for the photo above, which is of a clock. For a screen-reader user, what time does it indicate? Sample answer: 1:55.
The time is 8:54
